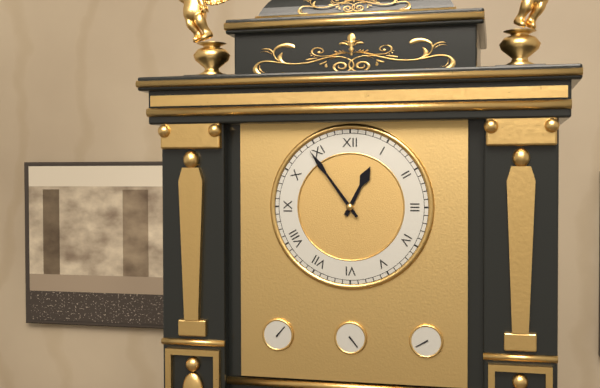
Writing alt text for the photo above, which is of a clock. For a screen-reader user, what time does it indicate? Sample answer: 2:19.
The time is 12:54
